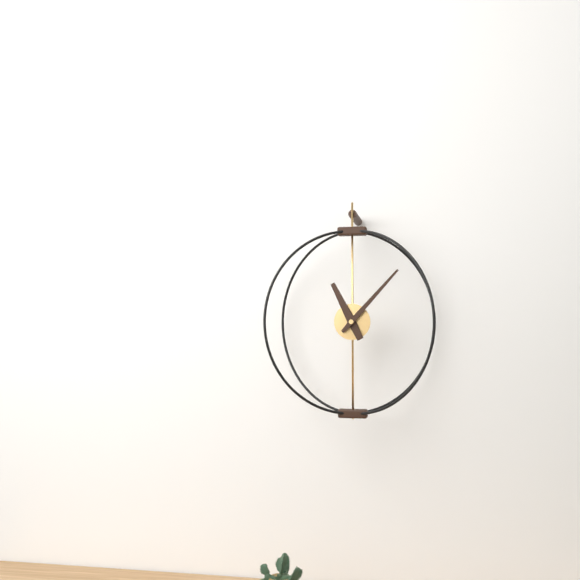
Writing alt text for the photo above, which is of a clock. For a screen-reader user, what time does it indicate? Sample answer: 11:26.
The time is 11:07
